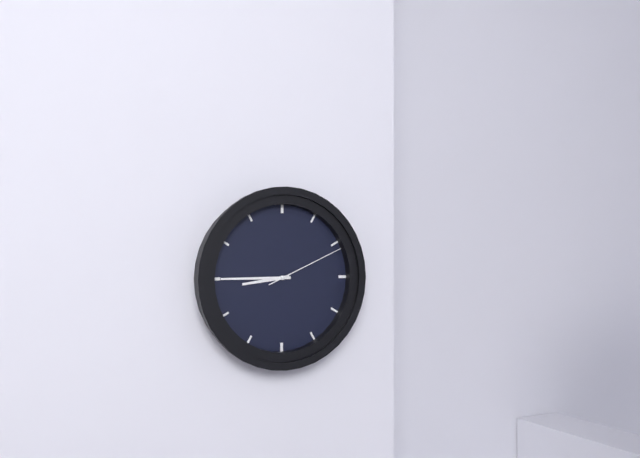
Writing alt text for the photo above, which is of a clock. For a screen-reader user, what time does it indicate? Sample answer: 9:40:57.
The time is 8:45:11
